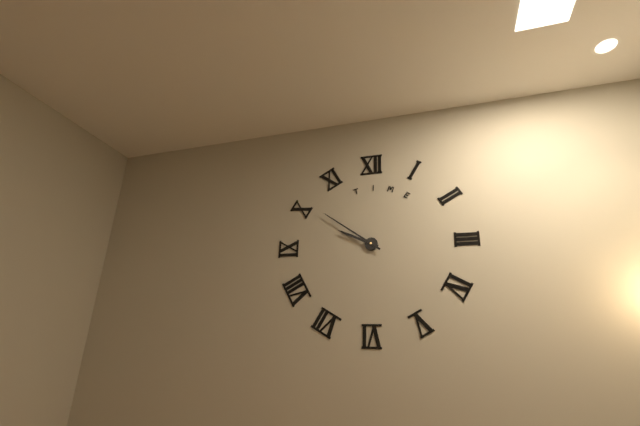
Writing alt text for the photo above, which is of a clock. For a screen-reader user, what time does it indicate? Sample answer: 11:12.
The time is 9:51
